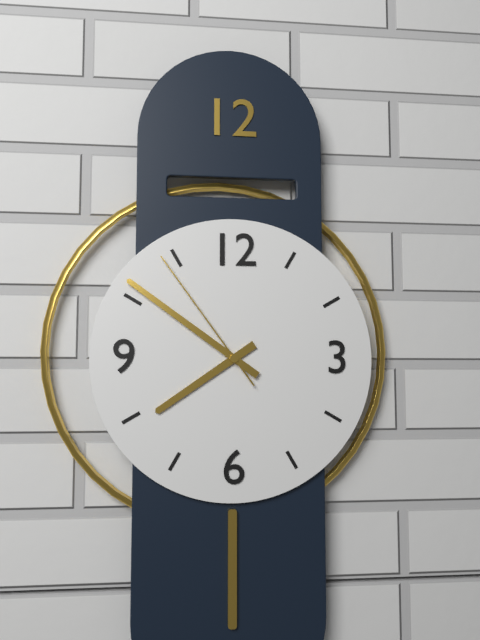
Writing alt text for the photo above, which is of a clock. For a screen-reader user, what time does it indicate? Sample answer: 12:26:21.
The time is 7:51:54
